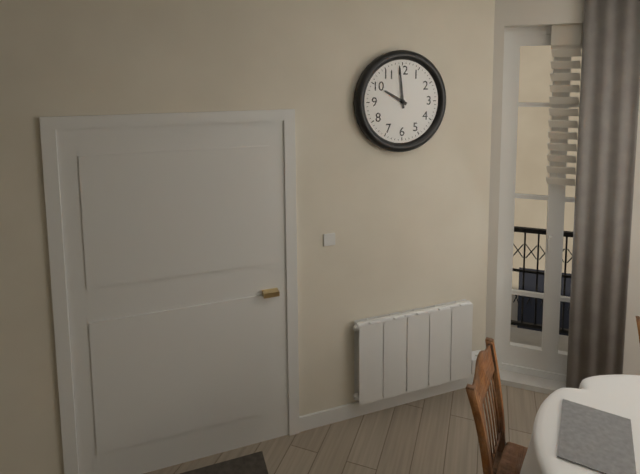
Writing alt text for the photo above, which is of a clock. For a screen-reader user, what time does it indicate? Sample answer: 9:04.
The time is 9:59
